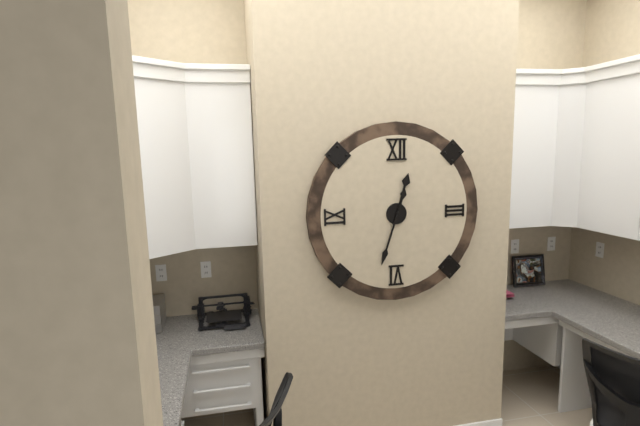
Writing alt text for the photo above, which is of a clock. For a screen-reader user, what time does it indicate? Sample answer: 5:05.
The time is 12:33
